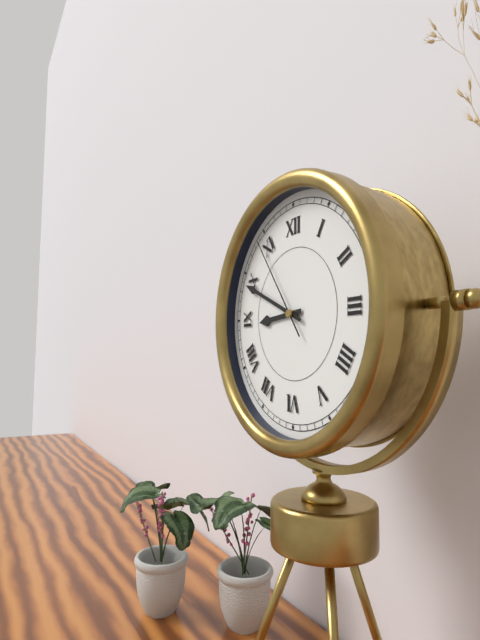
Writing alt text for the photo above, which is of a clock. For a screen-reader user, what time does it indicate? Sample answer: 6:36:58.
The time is 8:49:54
